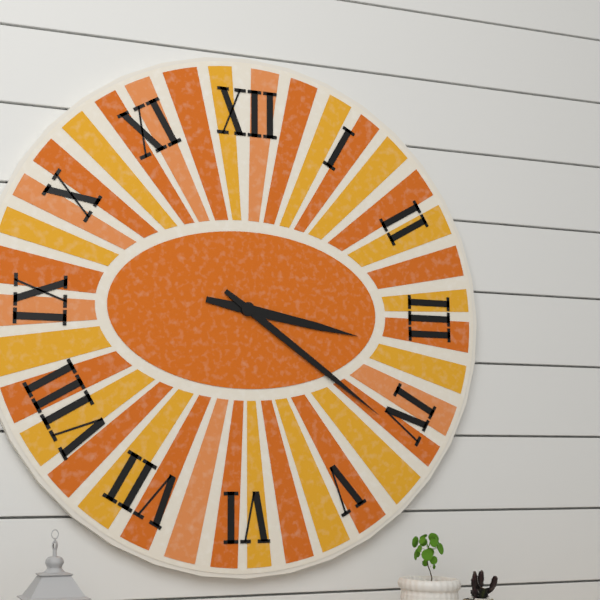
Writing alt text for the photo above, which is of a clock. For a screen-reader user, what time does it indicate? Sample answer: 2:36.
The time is 3:21
